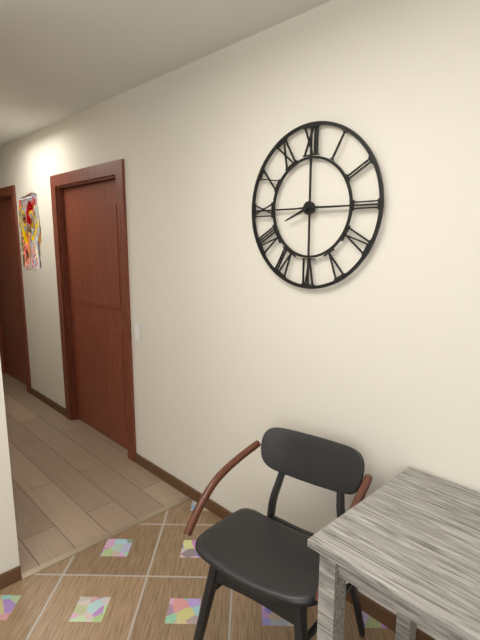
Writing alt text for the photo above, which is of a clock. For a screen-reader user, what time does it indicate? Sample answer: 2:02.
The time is 8:15
